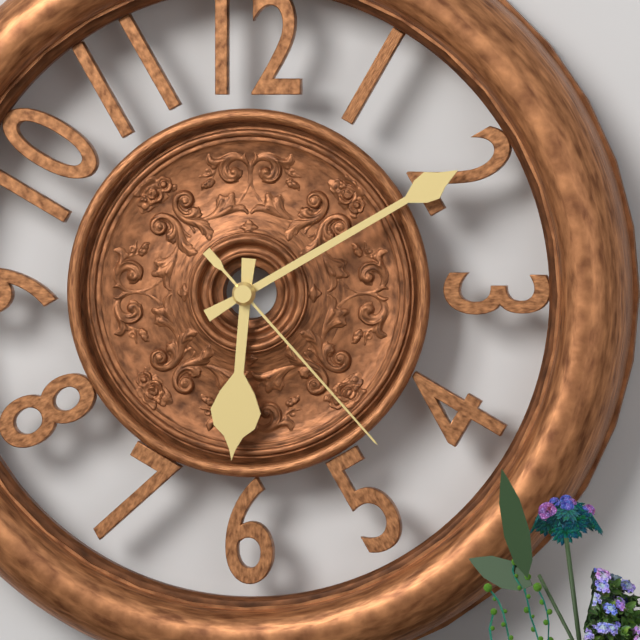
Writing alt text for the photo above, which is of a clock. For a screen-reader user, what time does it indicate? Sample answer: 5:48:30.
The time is 6:10:23
